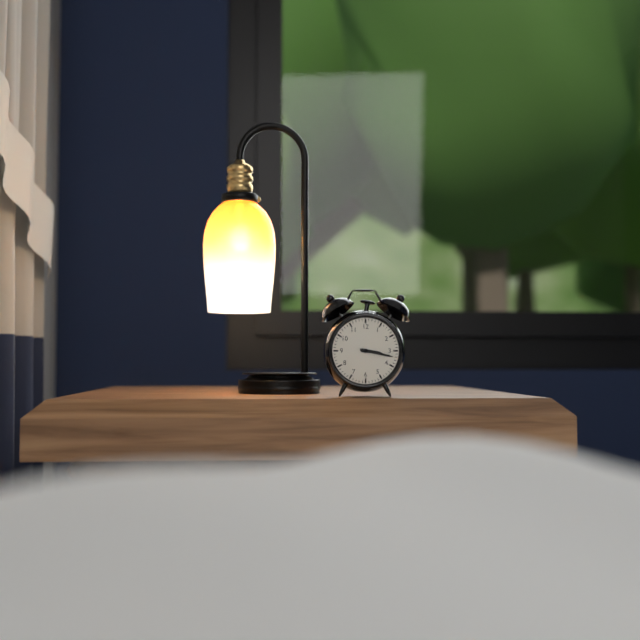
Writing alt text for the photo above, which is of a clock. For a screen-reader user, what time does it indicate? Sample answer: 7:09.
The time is 3:17
